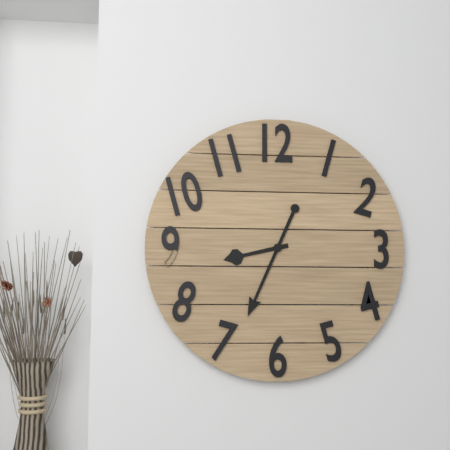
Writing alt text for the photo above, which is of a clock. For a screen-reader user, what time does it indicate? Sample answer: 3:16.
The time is 8:34
